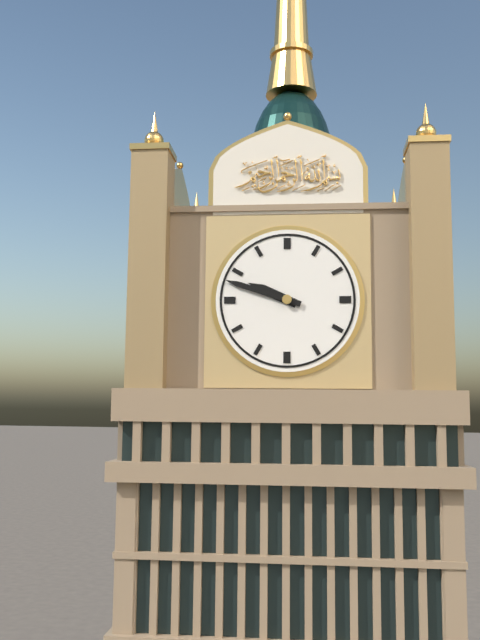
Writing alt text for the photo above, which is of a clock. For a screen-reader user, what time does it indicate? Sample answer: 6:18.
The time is 9:48
